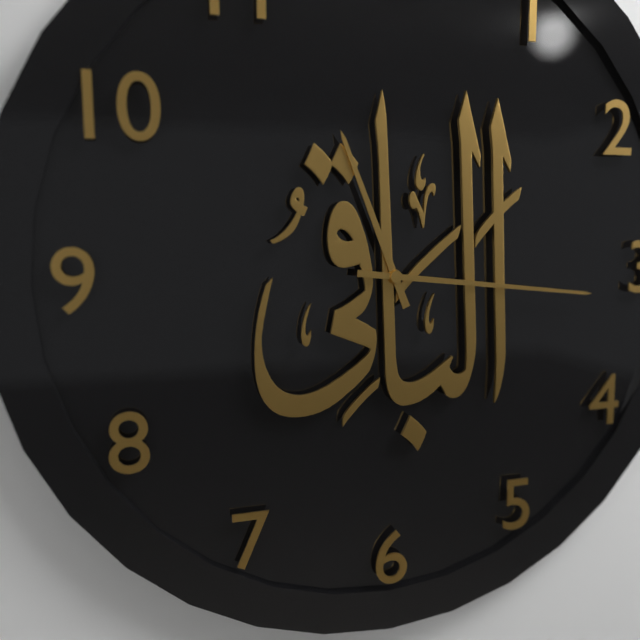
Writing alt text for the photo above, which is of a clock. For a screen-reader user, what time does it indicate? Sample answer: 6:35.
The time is 11:16
